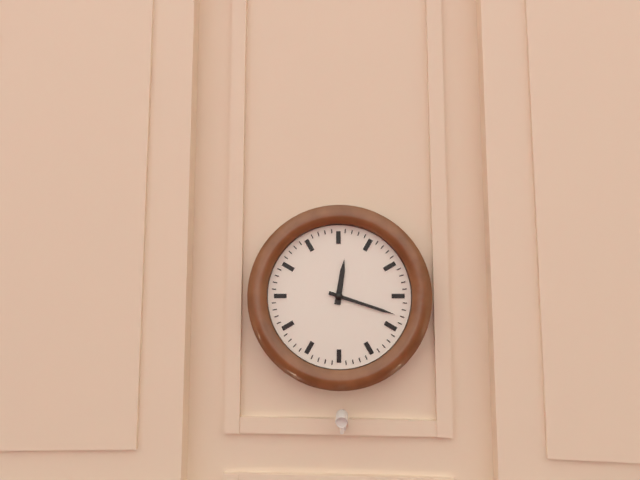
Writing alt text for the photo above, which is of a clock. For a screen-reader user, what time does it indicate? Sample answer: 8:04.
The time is 12:18
